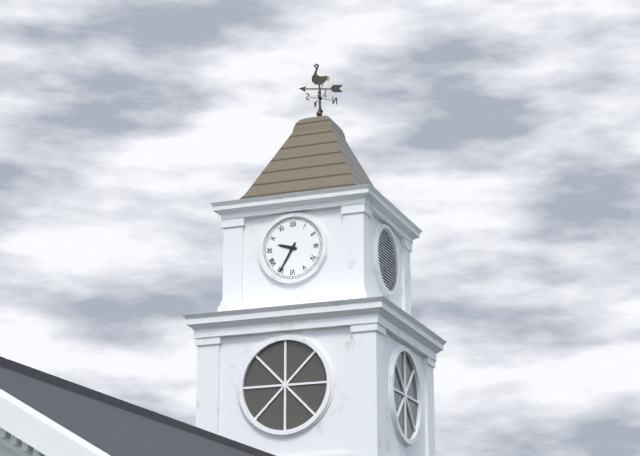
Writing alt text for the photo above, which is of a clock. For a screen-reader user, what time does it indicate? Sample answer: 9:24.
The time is 9:35
